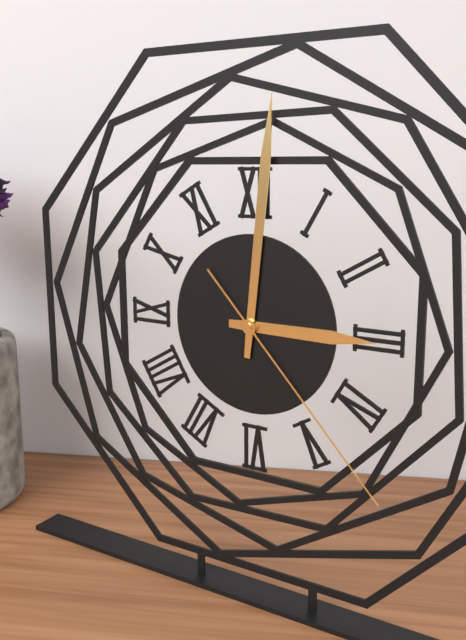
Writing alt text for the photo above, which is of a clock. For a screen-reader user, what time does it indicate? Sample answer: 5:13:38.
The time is 3:01:23
